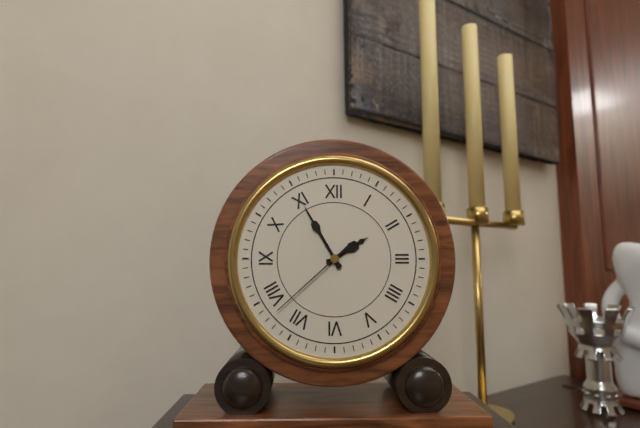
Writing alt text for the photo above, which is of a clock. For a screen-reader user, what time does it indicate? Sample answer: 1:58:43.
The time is 1:55:38
